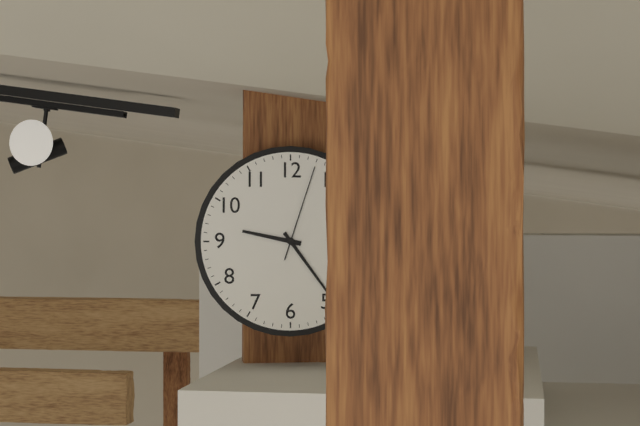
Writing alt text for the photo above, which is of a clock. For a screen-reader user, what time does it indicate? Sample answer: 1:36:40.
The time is 9:24:03
